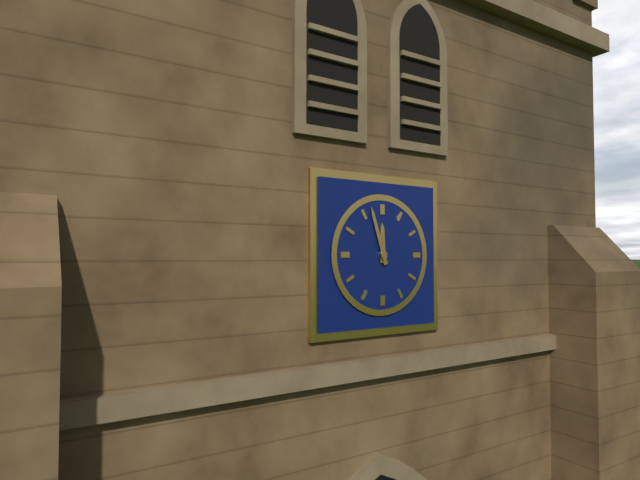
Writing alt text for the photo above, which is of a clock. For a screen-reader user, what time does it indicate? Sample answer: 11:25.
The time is 11:57
